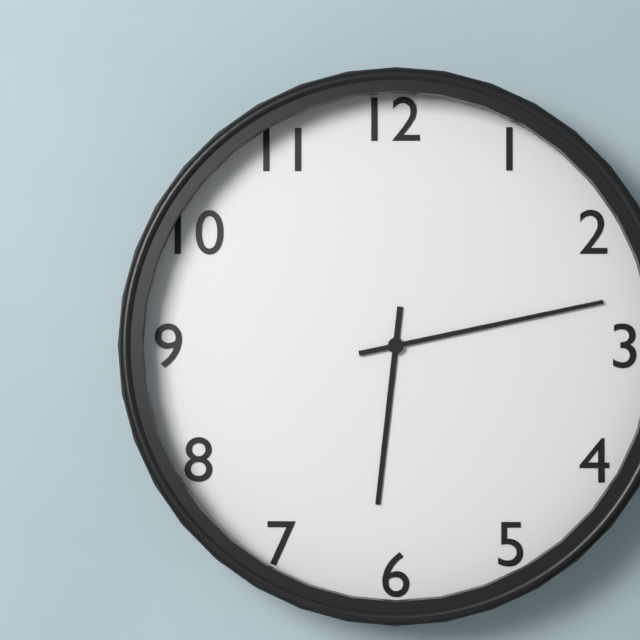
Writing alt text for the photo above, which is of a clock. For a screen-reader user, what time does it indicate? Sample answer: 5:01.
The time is 6:13
